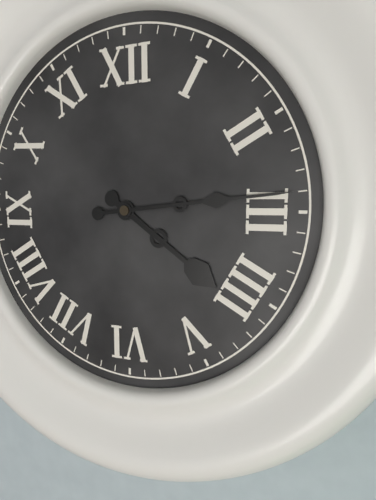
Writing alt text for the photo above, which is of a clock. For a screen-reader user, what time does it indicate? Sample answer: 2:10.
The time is 4:14
